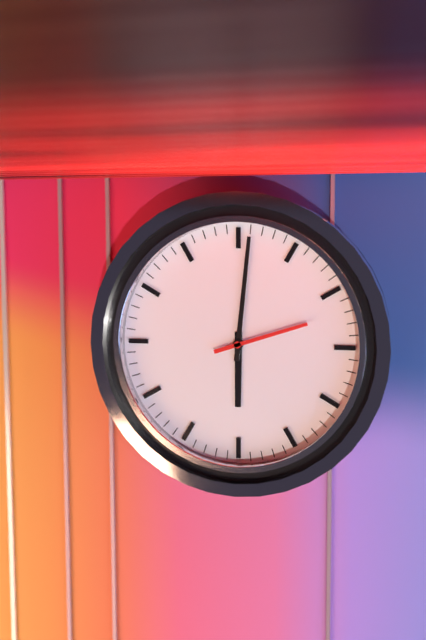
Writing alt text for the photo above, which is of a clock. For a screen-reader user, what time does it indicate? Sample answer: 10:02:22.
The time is 6:01:12
